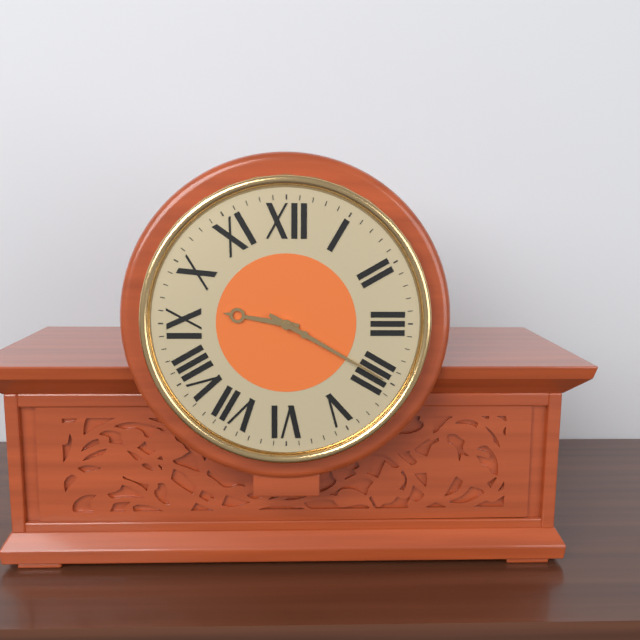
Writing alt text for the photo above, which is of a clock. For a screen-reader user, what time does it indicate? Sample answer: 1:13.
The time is 9:20
